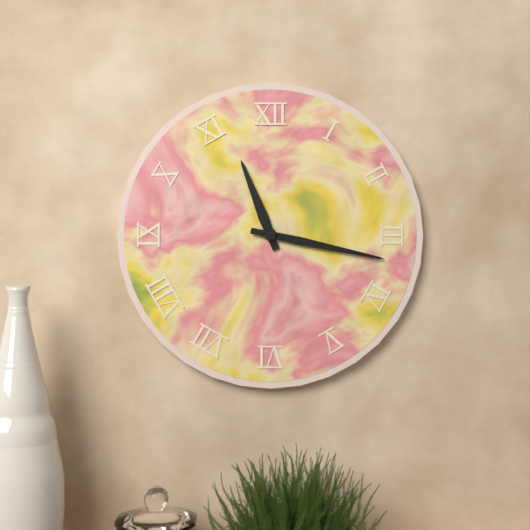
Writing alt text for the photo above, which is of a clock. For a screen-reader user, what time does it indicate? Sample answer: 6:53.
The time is 11:17
